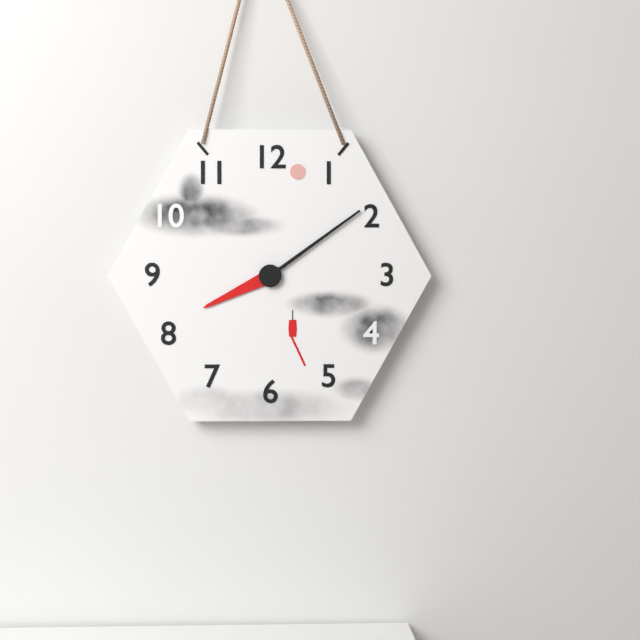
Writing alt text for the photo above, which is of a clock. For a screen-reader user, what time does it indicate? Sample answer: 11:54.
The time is 8:09
